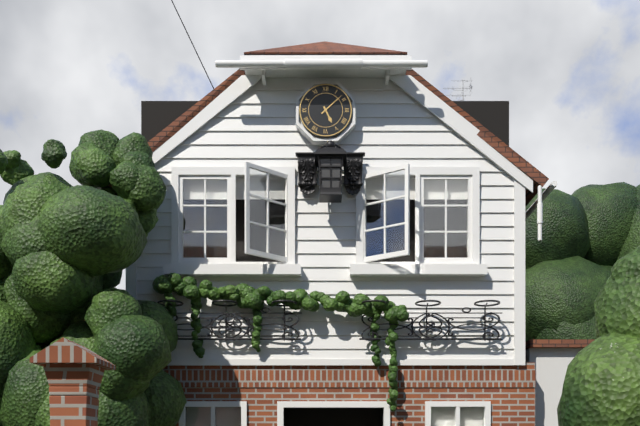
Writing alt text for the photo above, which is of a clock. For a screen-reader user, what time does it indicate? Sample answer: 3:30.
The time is 5:08
